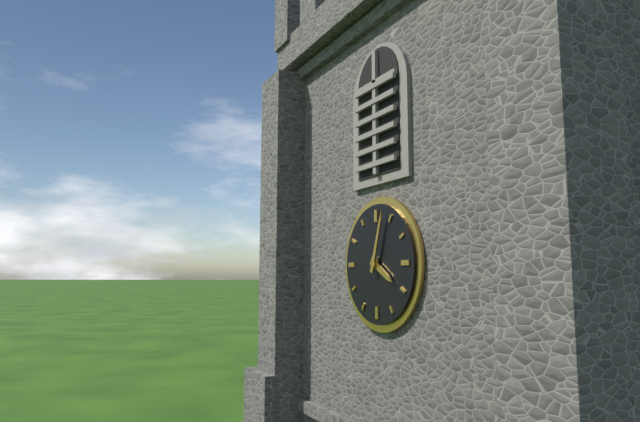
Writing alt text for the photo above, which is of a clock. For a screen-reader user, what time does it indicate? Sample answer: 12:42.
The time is 4:03
